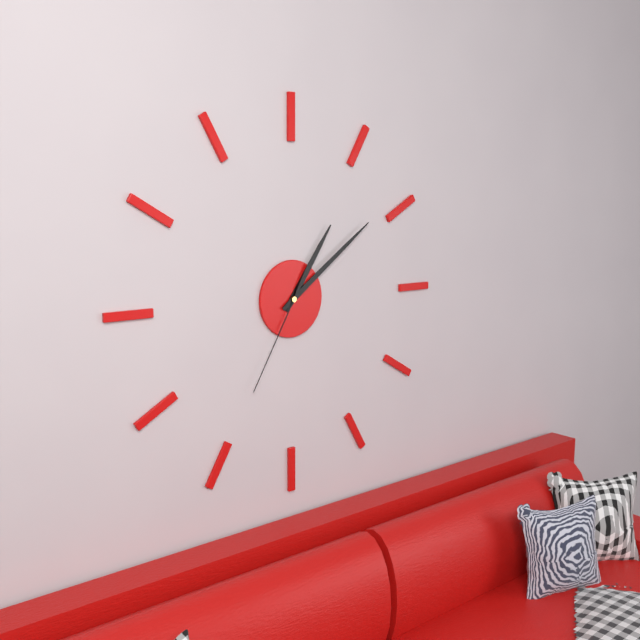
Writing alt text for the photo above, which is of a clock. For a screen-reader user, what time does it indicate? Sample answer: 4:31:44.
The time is 1:09:35
